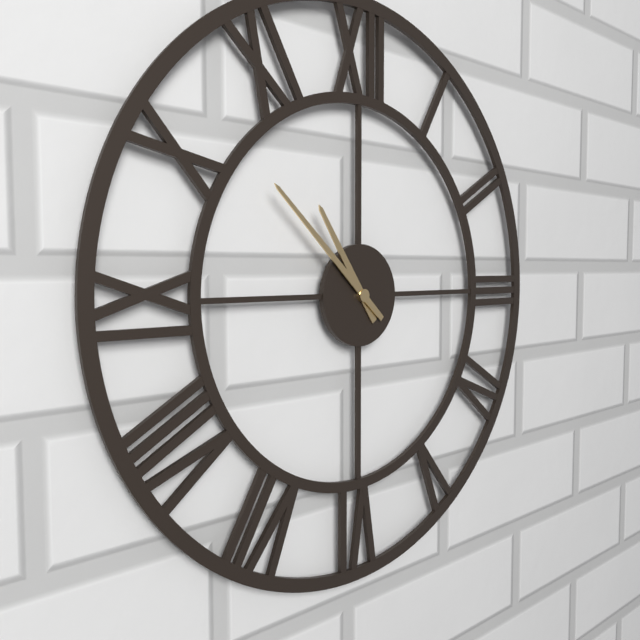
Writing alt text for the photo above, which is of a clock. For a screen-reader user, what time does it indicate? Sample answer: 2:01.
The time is 10:52
